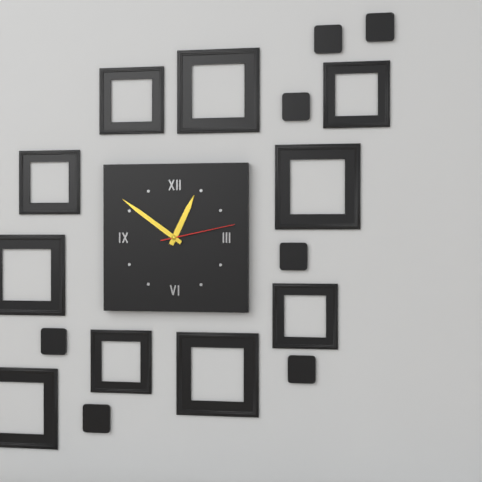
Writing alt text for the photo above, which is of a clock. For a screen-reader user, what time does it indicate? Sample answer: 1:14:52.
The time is 12:51:13
